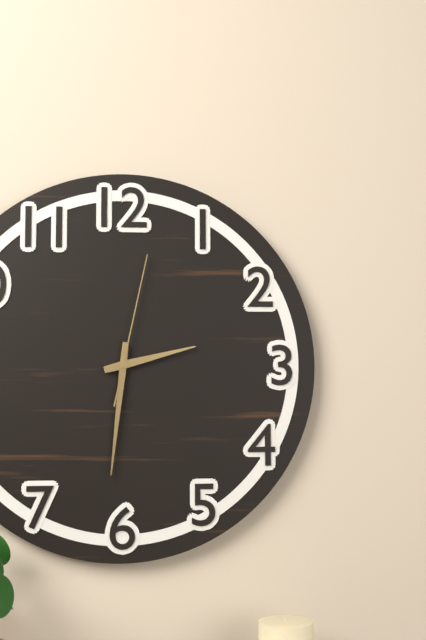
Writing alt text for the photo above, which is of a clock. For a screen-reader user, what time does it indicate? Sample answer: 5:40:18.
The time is 2:31:02
